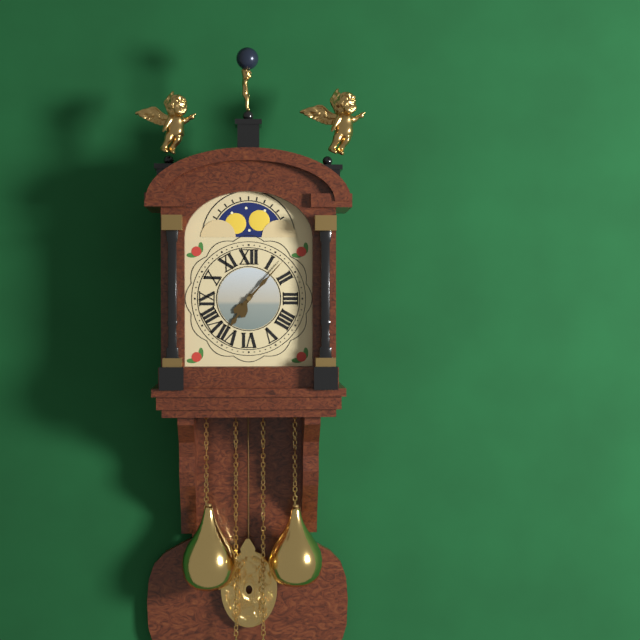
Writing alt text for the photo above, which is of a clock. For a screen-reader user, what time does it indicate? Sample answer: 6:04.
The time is 7:07
